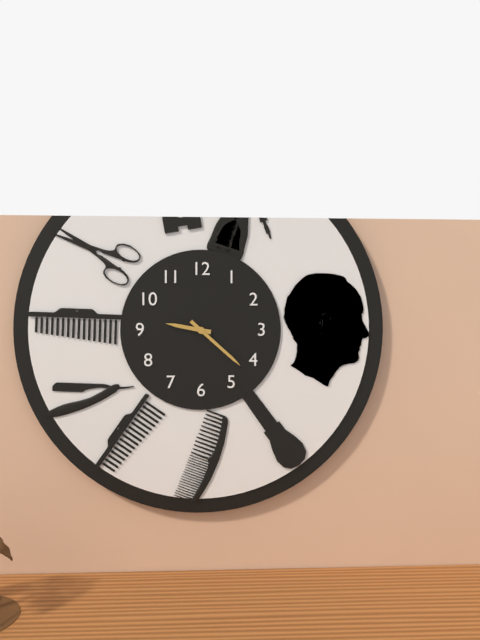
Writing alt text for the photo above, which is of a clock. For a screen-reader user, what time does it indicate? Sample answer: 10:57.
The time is 9:22
